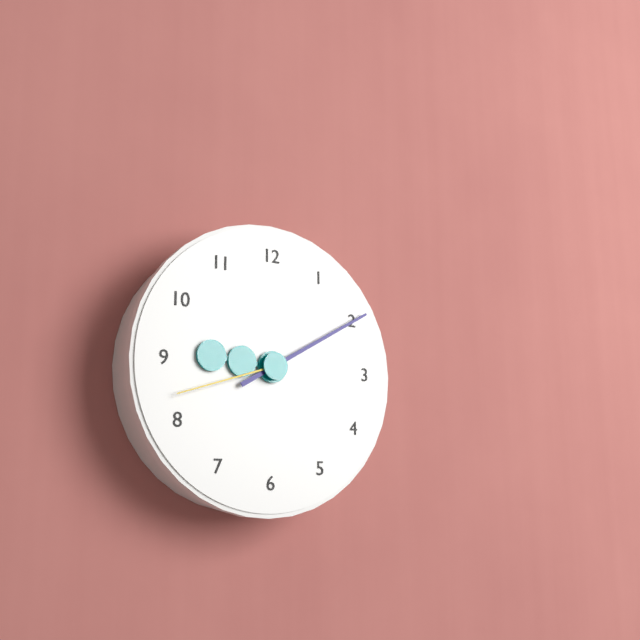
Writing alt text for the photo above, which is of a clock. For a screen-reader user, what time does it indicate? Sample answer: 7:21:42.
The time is 9:10:42
